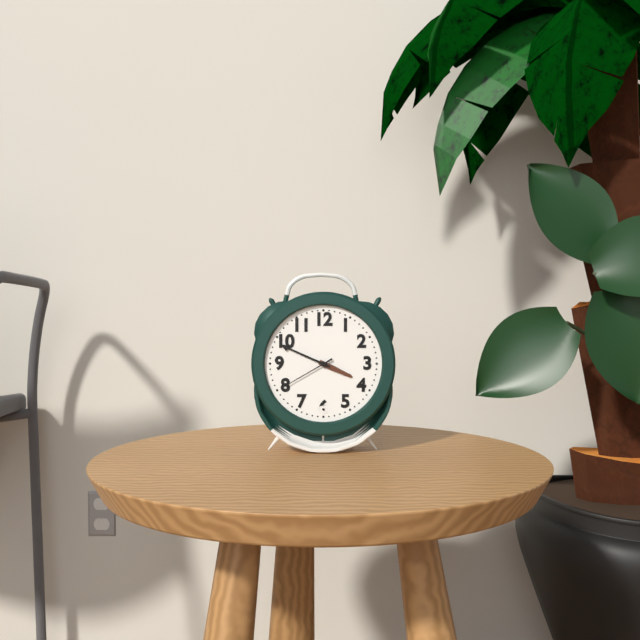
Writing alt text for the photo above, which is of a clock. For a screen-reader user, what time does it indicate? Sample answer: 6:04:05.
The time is 3:49:40
